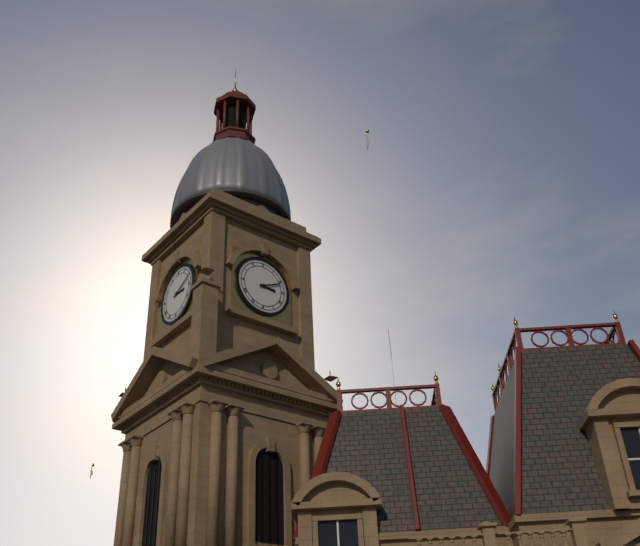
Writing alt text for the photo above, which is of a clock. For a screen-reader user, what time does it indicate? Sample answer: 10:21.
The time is 3:11
